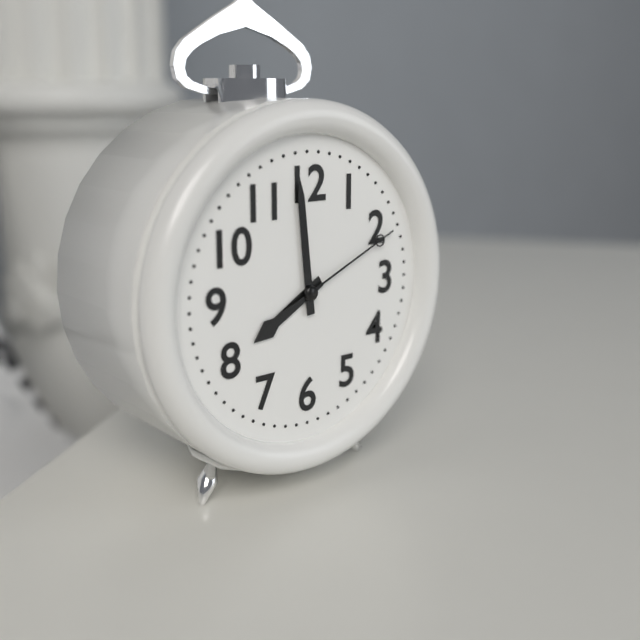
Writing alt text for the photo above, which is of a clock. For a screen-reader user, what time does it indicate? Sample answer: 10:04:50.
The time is 7:59:11
